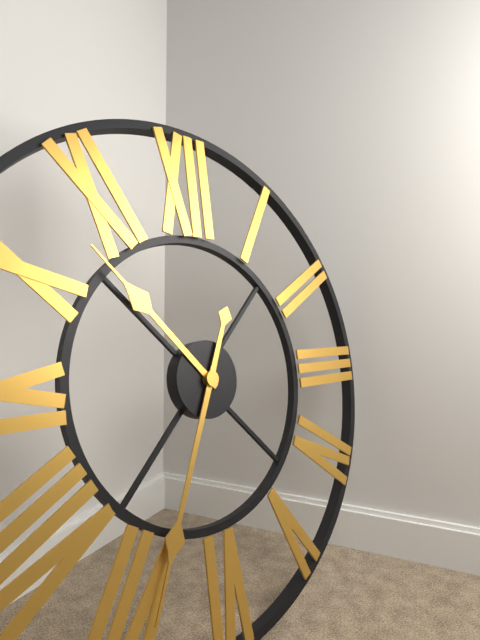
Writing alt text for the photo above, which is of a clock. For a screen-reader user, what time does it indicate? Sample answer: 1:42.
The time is 10:34
